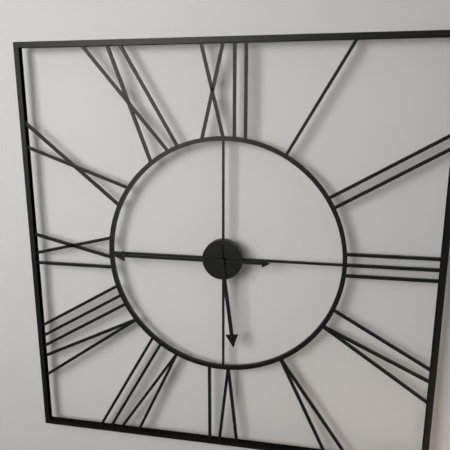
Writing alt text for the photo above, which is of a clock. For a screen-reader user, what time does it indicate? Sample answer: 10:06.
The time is 5:45
